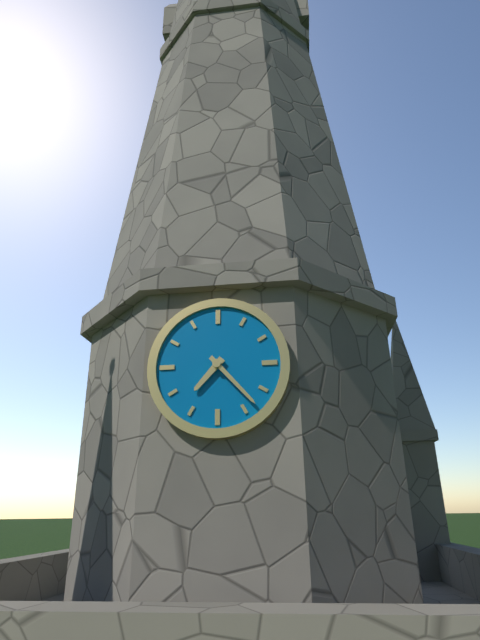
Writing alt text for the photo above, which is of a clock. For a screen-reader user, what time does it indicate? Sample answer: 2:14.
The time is 7:23
